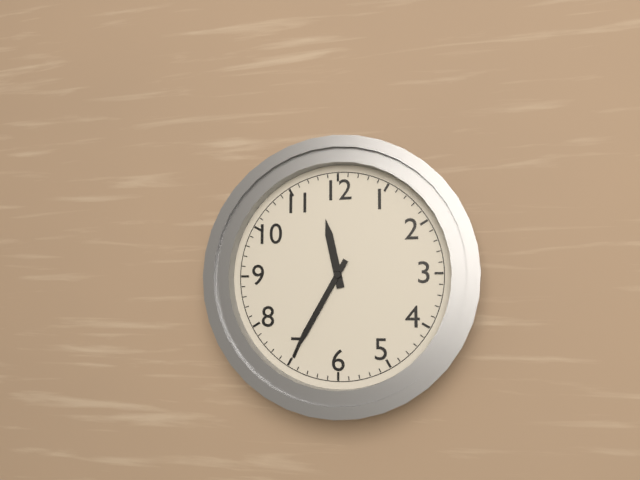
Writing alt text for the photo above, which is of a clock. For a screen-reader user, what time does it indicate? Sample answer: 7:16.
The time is 11:35
